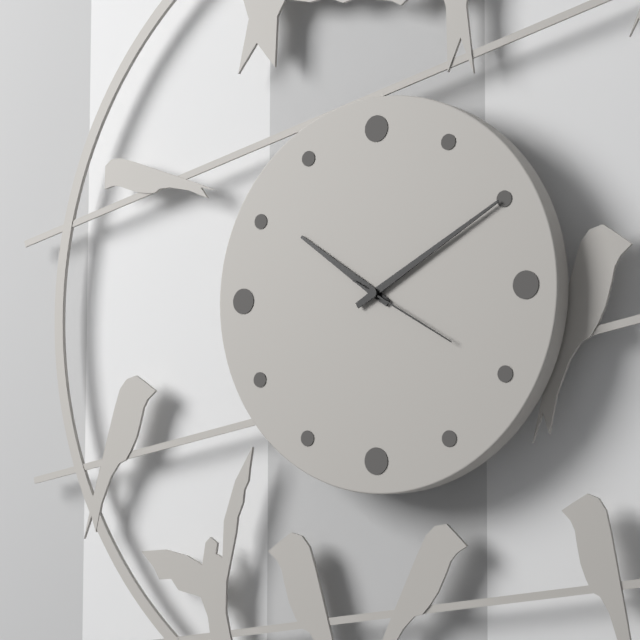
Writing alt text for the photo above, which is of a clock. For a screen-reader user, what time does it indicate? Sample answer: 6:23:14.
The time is 10:10:20
